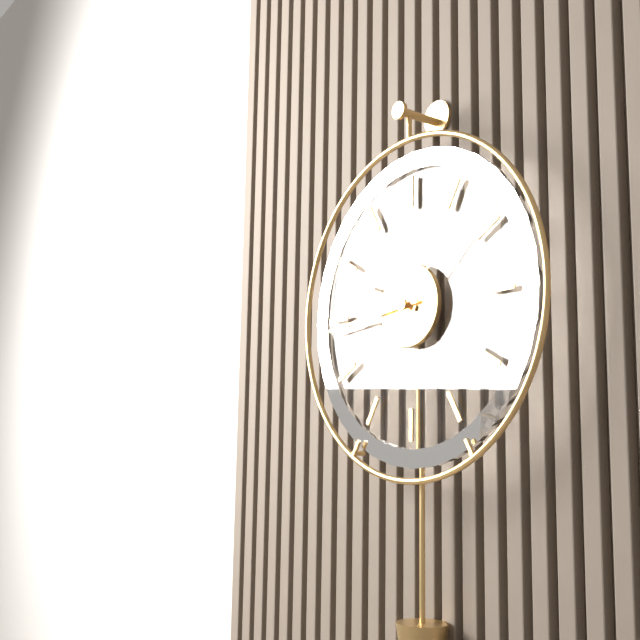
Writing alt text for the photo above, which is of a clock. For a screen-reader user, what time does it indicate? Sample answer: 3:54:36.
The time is 9:44:08
